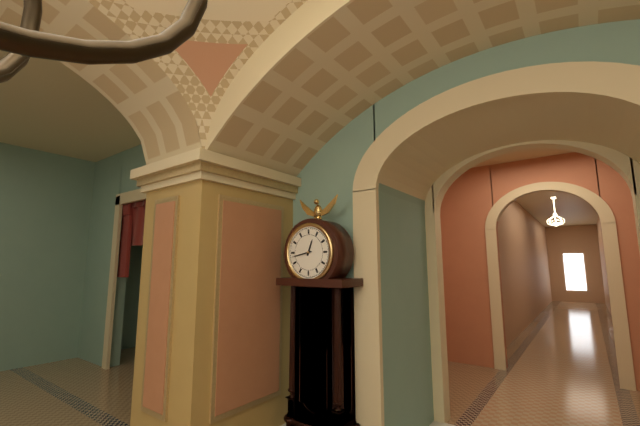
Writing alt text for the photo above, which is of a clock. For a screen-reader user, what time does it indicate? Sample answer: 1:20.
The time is 12:43
